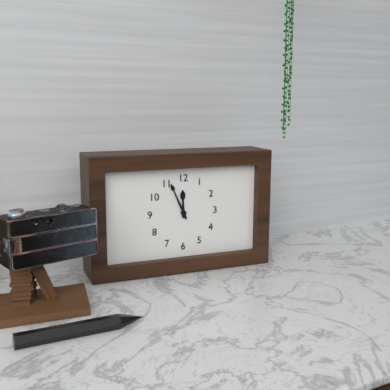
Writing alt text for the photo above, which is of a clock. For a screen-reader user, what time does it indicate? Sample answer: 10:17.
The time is 11:56
